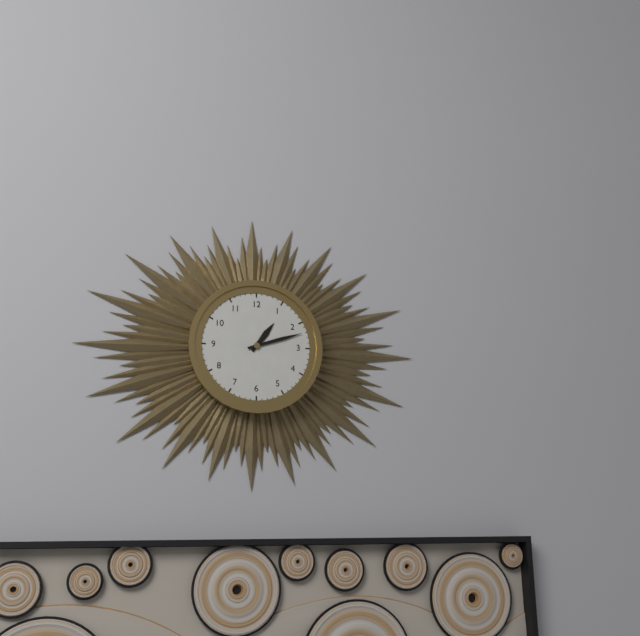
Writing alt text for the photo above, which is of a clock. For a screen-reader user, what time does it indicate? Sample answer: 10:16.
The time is 1:12
